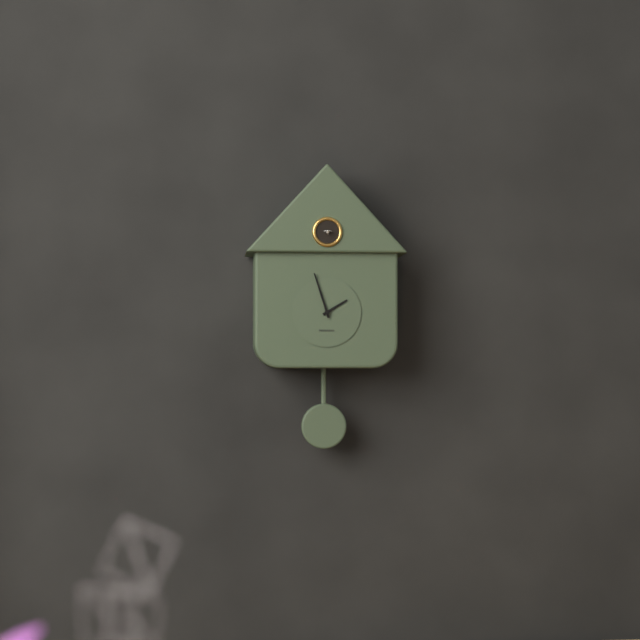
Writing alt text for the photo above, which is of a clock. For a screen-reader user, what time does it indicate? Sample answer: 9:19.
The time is 1:57
